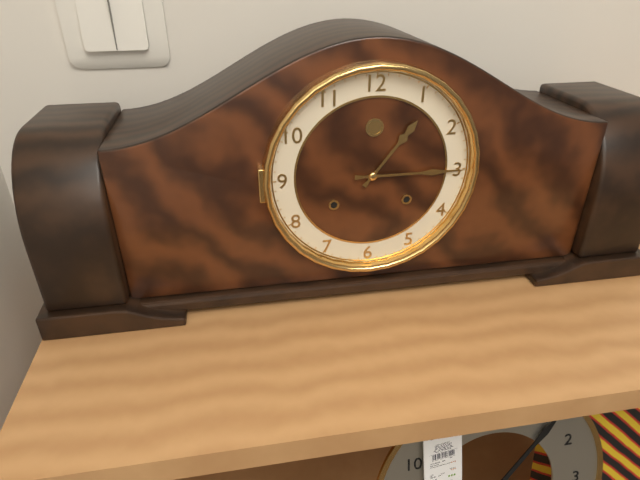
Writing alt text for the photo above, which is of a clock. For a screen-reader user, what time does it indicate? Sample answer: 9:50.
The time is 1:15
